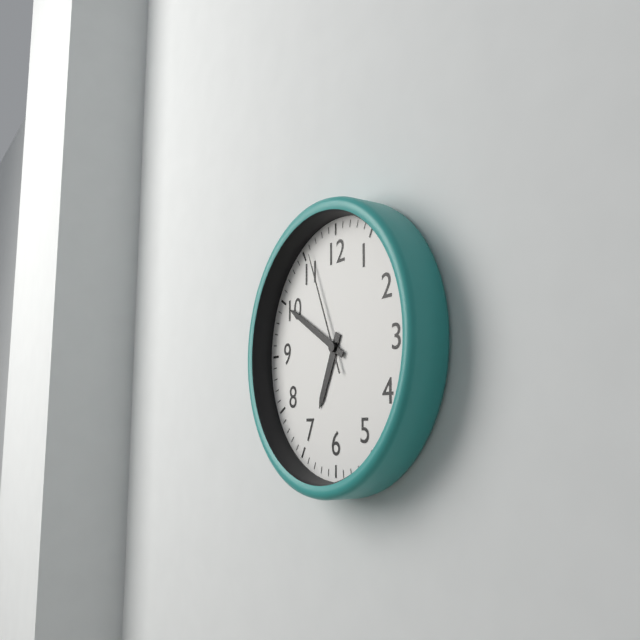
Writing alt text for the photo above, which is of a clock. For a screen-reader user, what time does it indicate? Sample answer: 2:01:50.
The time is 6:50:56
